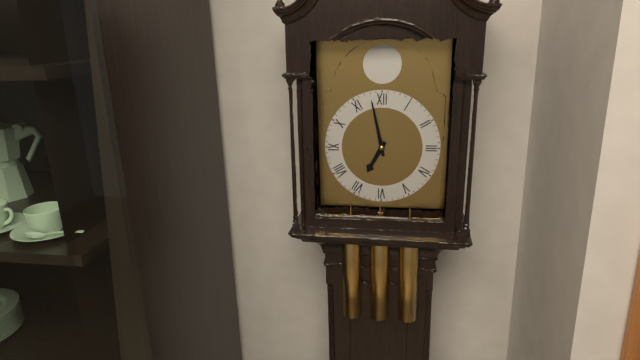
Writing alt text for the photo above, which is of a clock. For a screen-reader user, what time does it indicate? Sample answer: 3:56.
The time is 6:58
